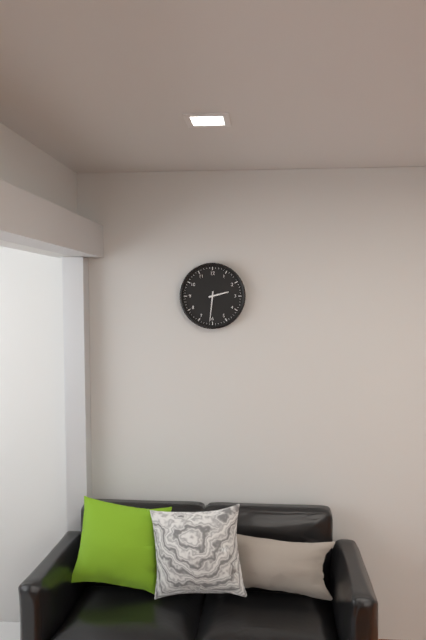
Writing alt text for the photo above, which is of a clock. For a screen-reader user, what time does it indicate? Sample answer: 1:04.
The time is 2:31
